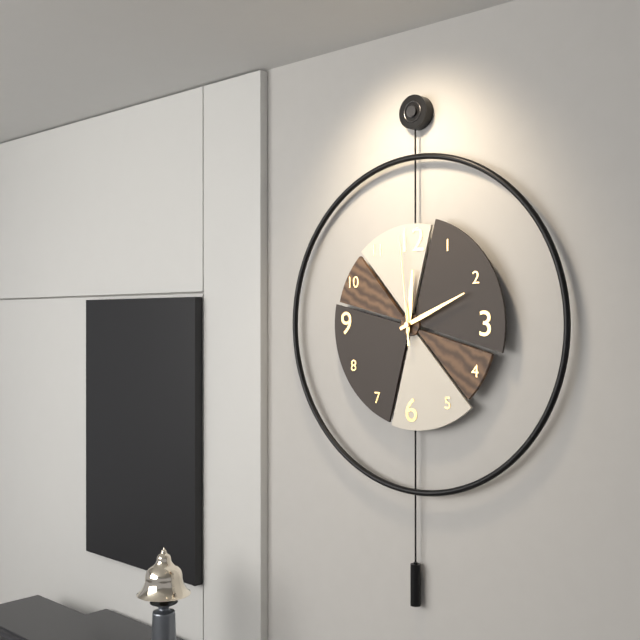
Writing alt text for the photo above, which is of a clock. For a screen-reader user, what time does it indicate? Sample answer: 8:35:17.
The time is 12:11:59
